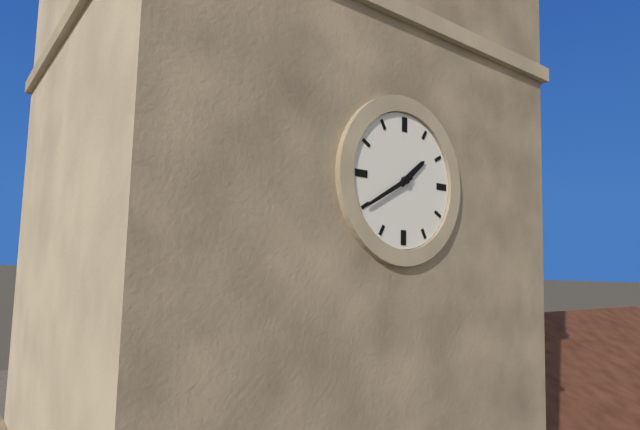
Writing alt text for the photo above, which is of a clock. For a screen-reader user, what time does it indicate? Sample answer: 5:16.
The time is 1:40
